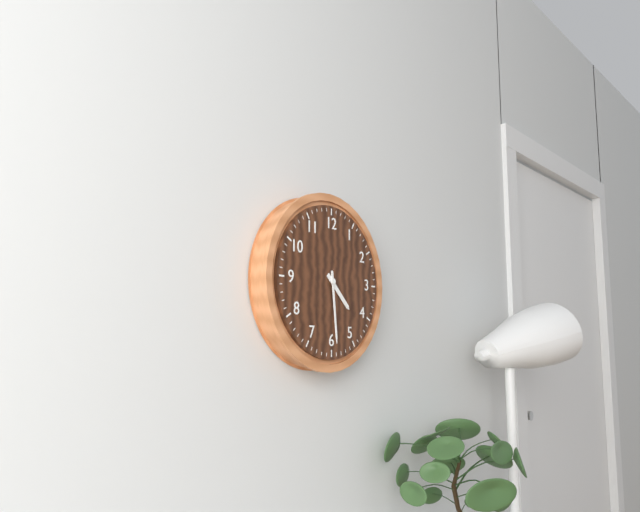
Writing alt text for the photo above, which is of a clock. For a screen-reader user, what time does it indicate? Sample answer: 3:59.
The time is 4:29
